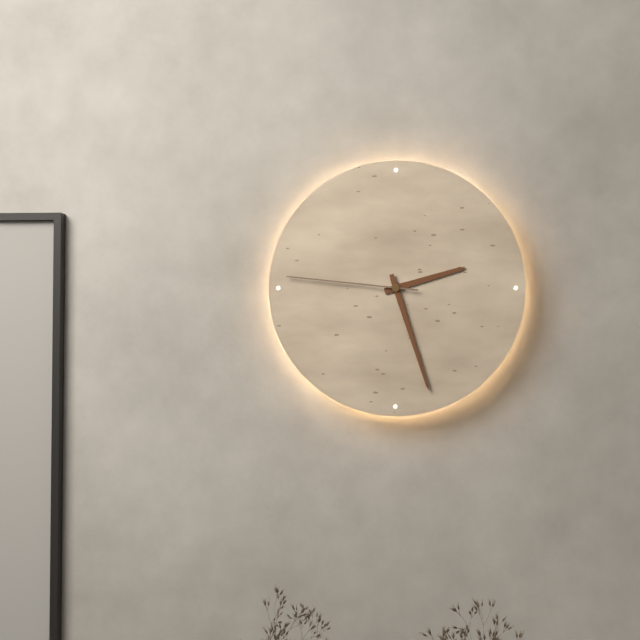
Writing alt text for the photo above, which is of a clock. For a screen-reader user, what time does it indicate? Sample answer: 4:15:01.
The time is 2:27:46
